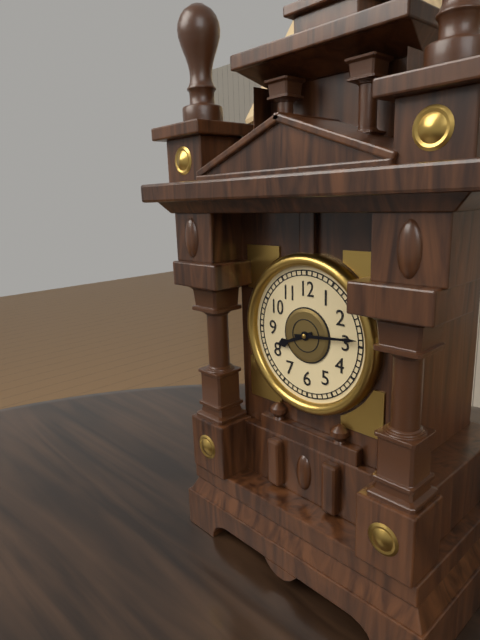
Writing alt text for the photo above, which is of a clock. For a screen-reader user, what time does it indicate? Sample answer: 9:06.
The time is 8:14
